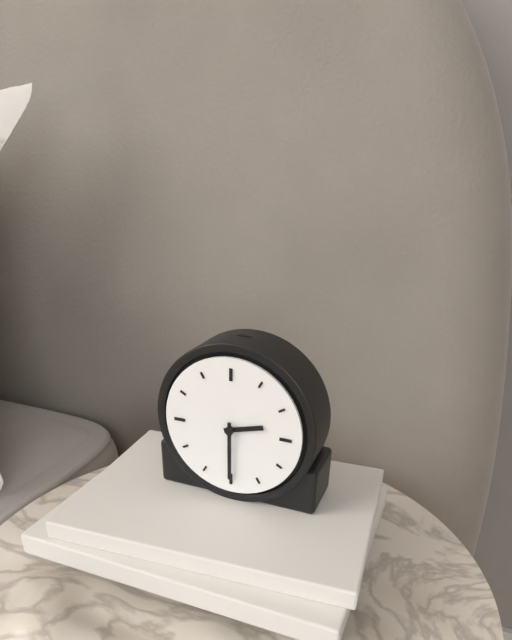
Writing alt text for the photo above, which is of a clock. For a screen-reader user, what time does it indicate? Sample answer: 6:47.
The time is 2:30
